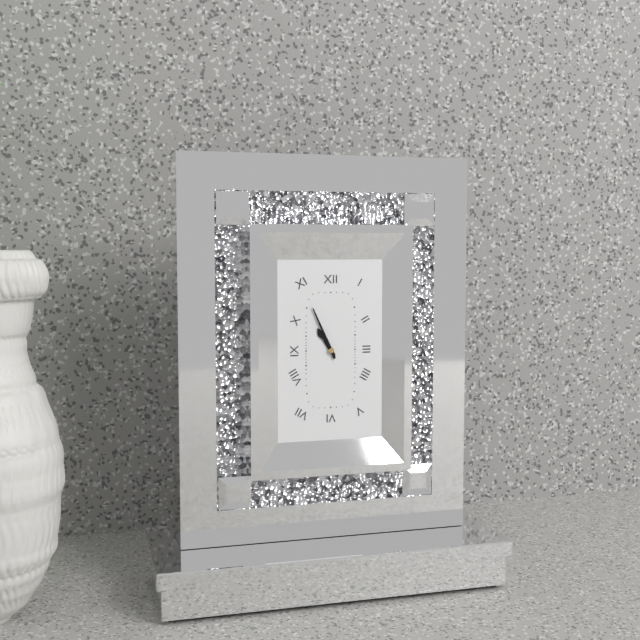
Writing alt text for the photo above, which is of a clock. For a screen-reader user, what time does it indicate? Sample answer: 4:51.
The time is 10:56
